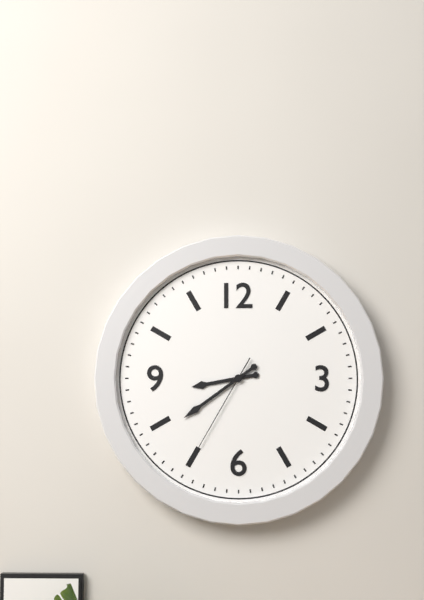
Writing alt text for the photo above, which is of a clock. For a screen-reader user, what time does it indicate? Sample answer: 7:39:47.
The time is 8:39:35
